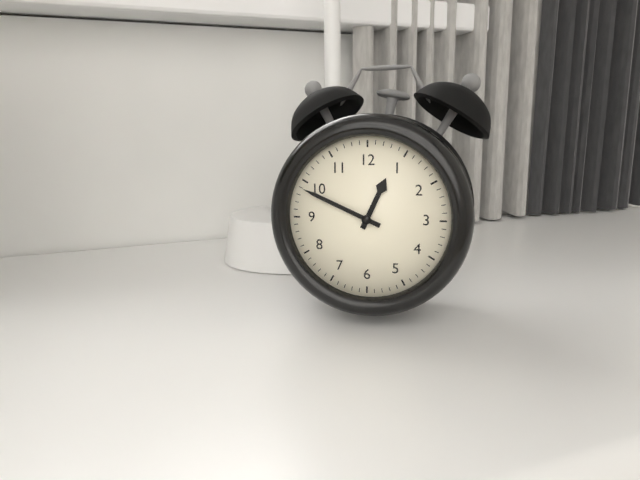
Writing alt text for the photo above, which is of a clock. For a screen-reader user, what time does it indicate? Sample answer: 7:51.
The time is 12:49
